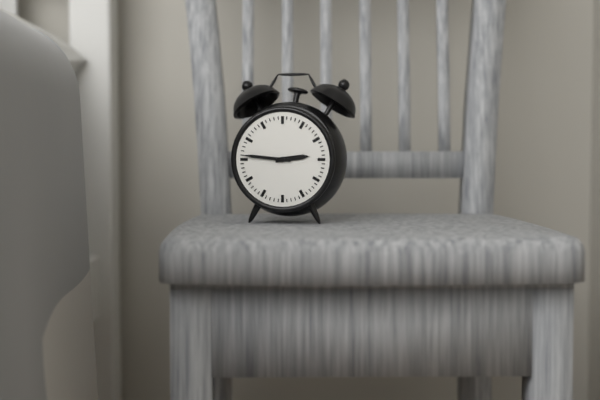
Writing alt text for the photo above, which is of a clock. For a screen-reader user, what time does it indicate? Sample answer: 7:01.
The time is 2:46
